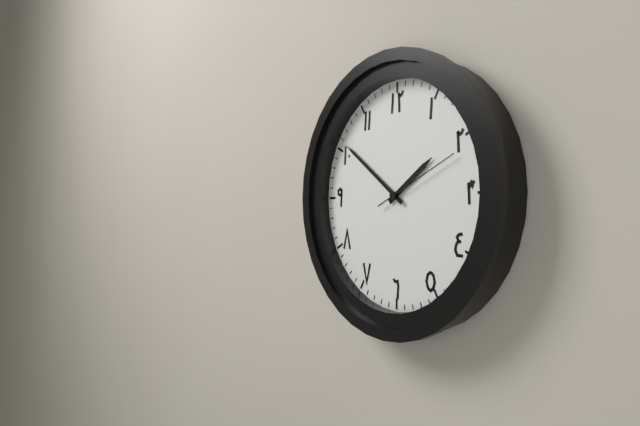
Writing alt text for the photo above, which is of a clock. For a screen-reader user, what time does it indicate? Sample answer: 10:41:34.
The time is 1:51:11
